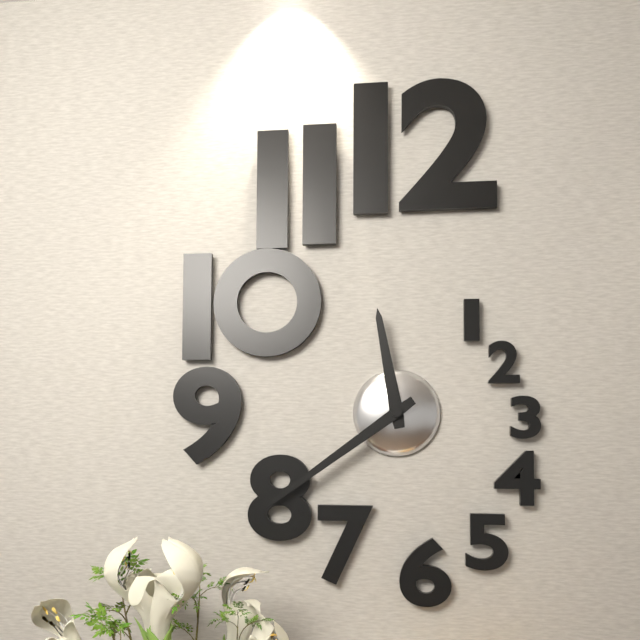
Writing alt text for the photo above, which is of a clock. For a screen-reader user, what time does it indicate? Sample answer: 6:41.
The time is 11:39
